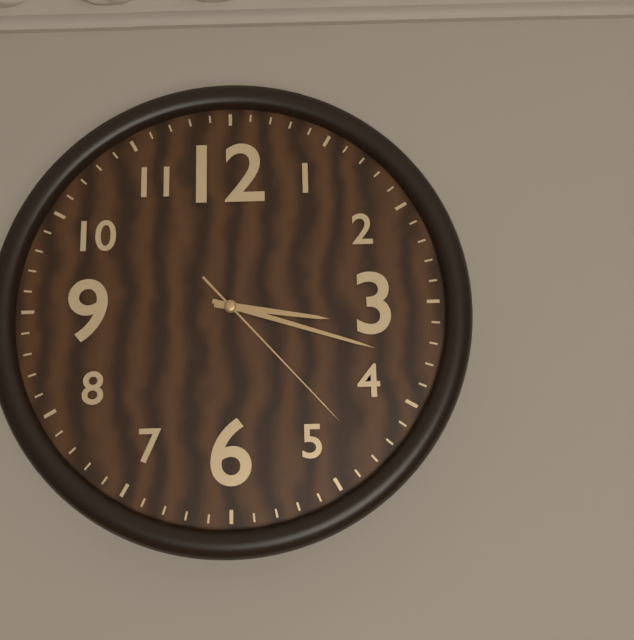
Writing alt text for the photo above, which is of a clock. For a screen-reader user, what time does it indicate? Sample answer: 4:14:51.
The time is 3:18:23
